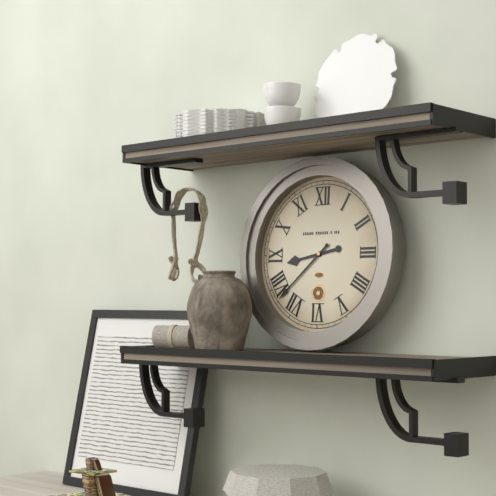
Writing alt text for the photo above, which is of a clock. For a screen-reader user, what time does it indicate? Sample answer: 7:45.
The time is 8:38
